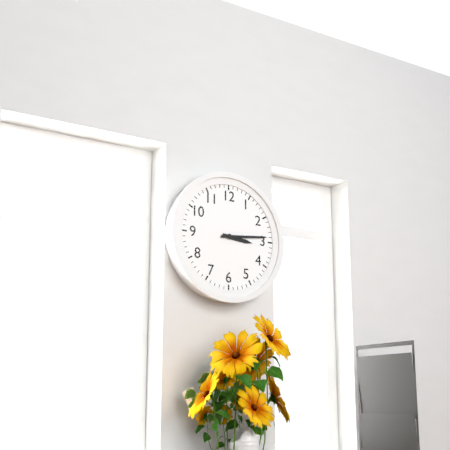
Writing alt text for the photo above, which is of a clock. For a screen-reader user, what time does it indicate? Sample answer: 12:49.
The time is 3:14
